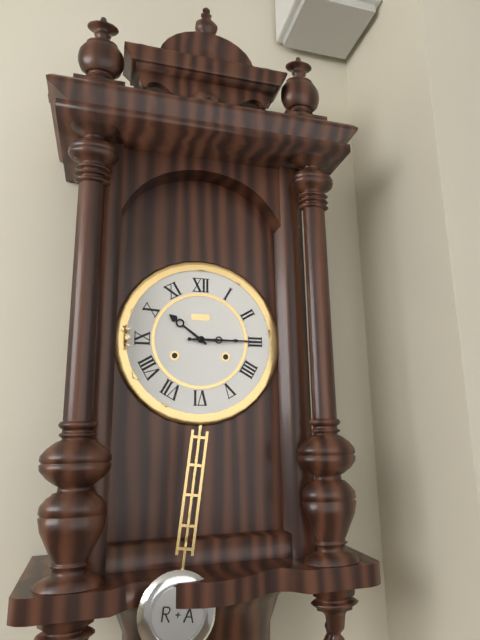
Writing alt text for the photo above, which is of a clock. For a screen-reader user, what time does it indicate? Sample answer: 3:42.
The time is 10:15
